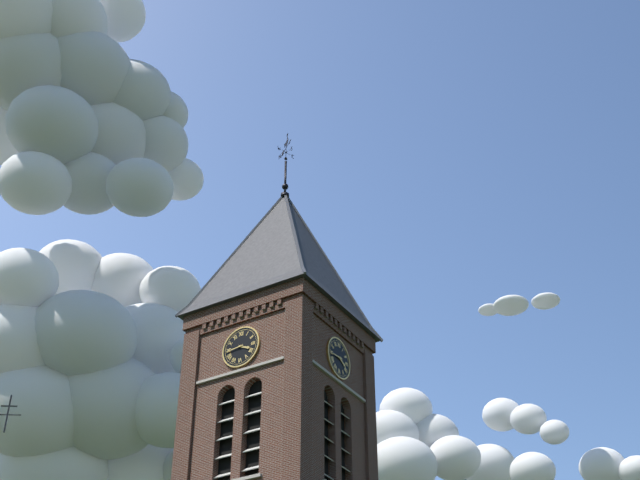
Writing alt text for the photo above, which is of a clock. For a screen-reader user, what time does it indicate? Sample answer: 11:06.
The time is 3:44
